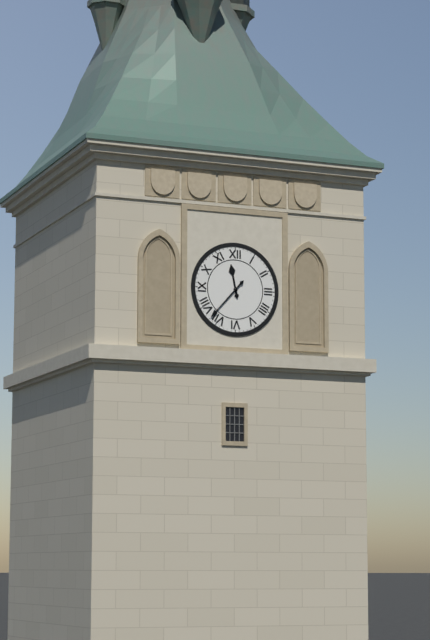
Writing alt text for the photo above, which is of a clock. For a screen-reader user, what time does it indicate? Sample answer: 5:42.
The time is 11:37
